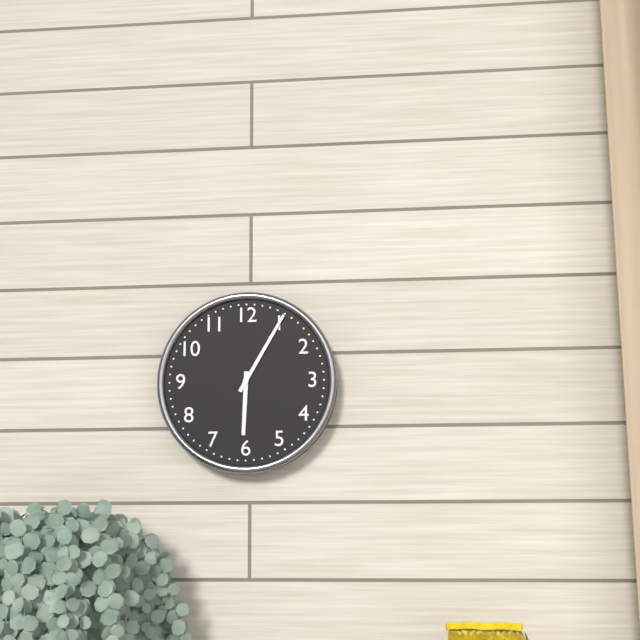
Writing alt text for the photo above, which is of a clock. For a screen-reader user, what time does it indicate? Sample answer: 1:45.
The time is 6:05
